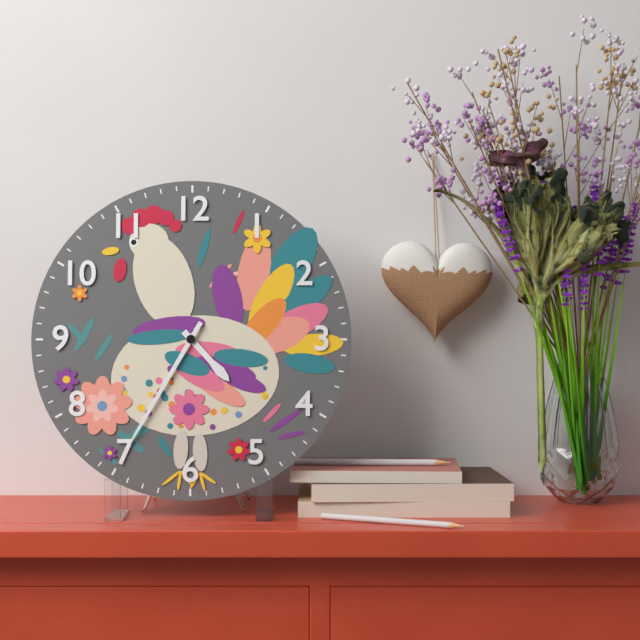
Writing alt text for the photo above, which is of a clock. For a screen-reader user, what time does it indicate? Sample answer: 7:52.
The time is 4:35
